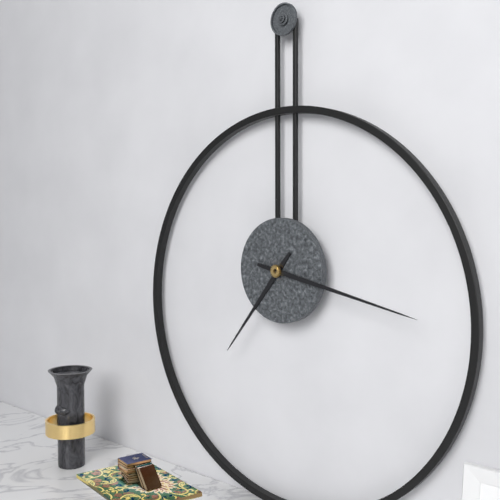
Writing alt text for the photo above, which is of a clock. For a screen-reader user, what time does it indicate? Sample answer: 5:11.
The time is 7:17
